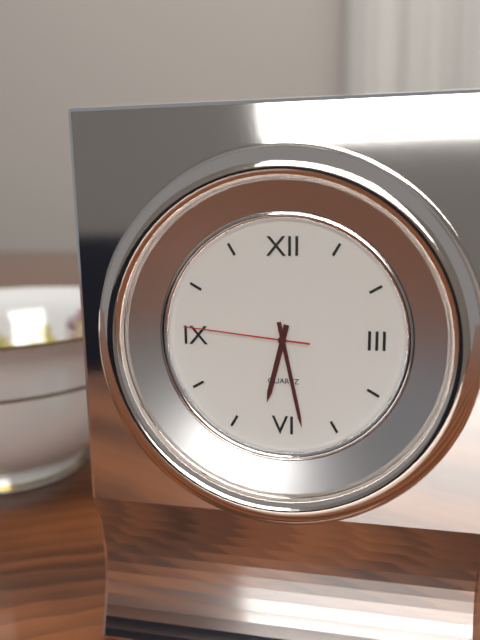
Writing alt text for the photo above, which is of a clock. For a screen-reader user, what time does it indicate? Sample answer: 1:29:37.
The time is 6:28:46
